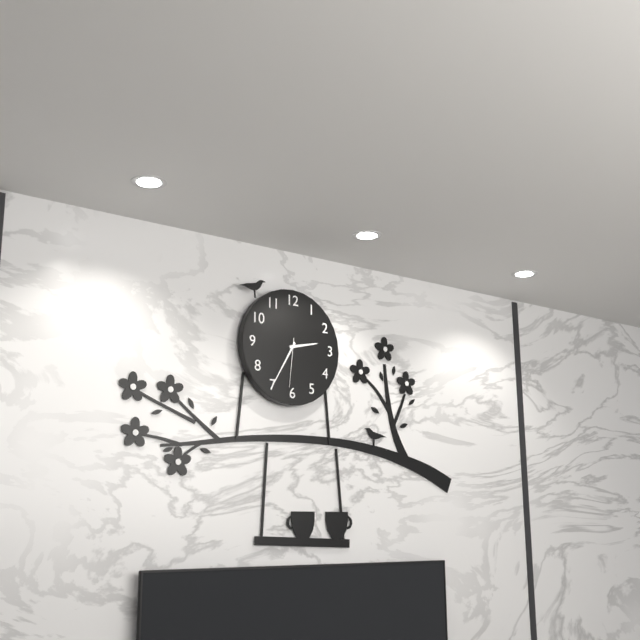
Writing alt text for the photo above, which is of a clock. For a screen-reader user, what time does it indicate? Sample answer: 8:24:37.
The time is 2:35:31
